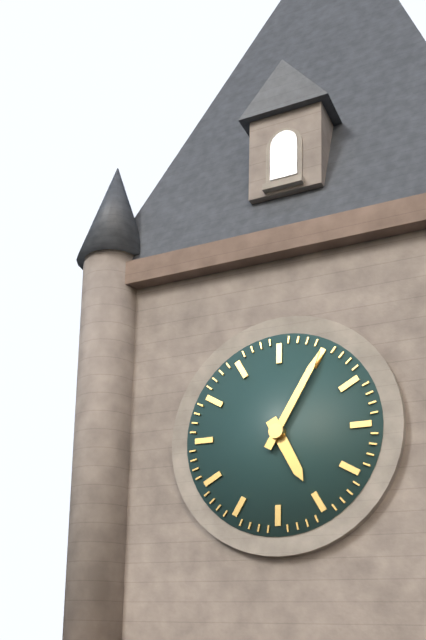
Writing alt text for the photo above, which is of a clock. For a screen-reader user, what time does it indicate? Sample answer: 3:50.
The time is 5:05
